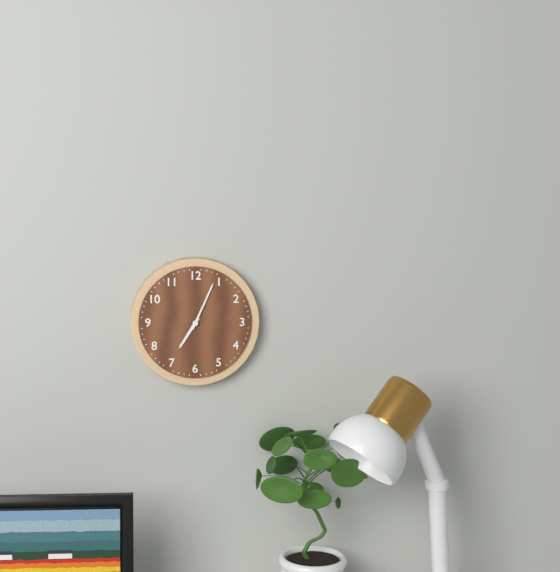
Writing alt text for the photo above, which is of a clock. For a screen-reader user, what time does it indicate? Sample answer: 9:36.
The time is 7:04
